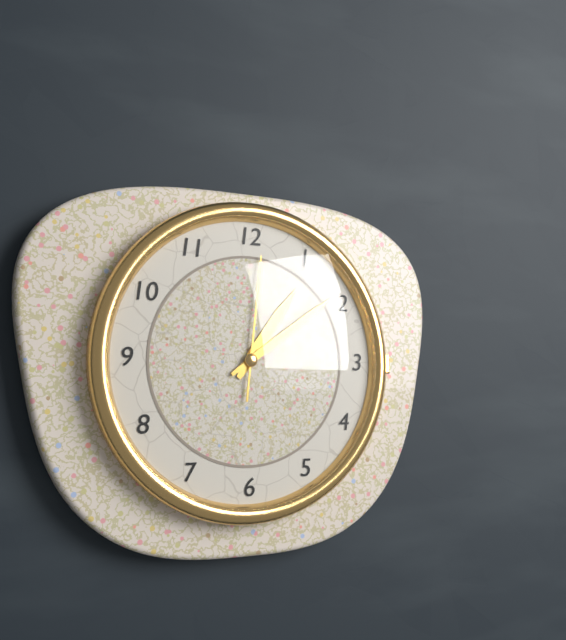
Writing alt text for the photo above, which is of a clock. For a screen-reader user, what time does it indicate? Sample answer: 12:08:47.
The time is 1:09:01
